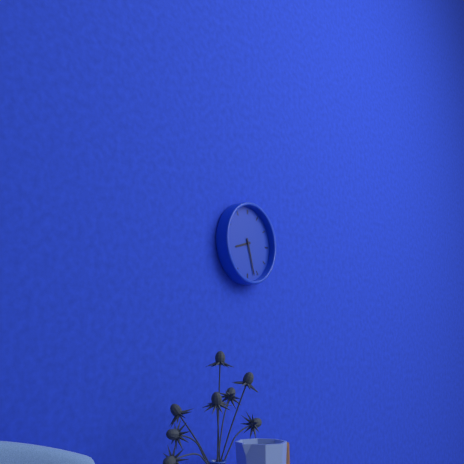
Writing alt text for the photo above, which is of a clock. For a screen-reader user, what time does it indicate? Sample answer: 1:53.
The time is 8:27
